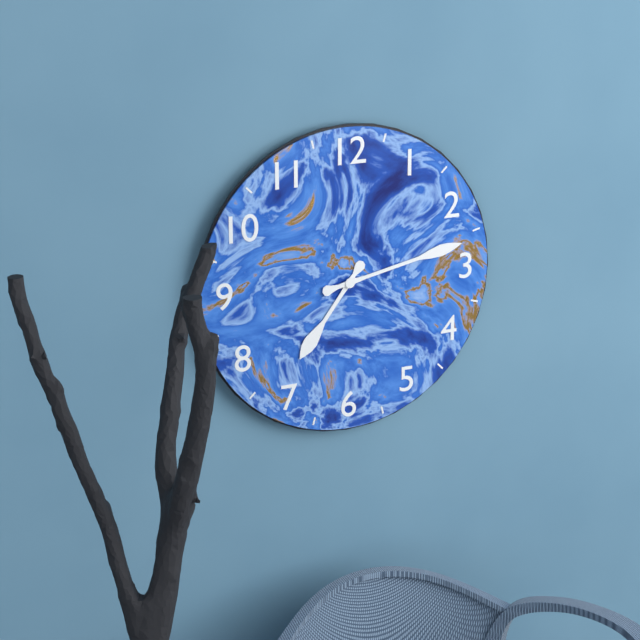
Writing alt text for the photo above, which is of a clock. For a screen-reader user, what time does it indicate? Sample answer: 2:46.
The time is 7:13
